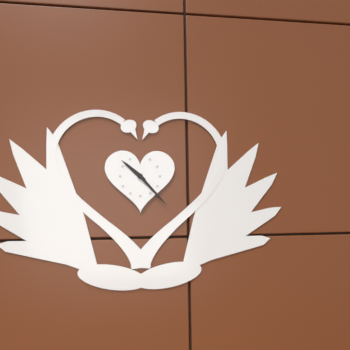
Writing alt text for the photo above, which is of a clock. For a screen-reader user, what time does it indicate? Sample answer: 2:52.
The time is 10:23
